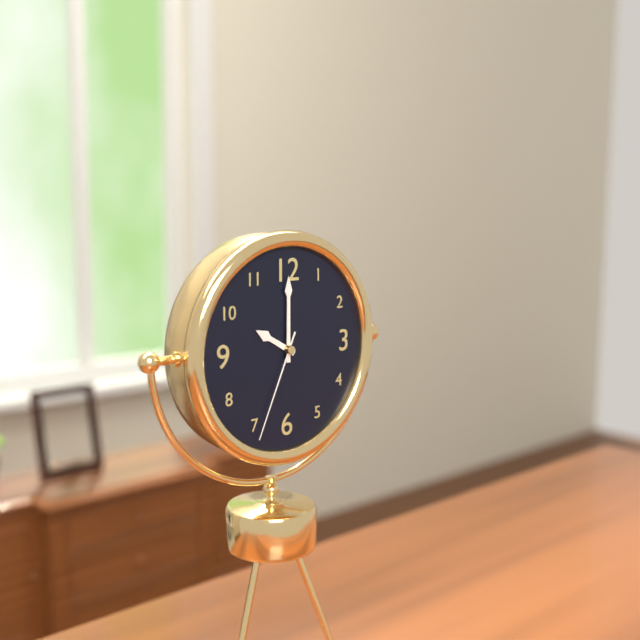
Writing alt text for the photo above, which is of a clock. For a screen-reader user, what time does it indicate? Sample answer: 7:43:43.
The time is 10:00:34
